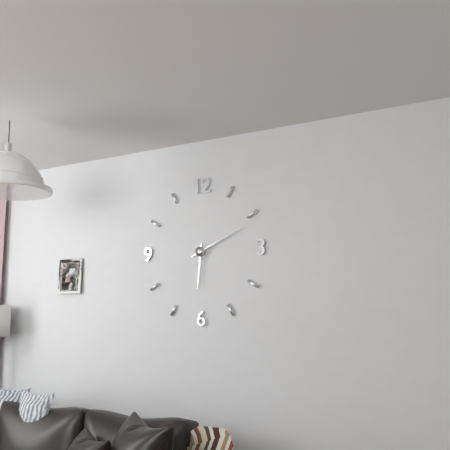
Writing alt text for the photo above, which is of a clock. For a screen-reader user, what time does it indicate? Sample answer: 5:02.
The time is 6:11
